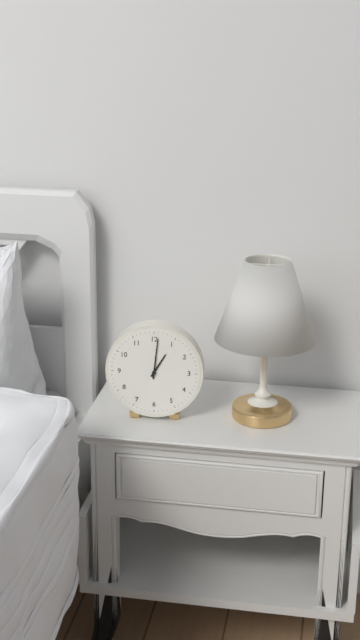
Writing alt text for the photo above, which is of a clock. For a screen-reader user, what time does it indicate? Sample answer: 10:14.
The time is 1:01
